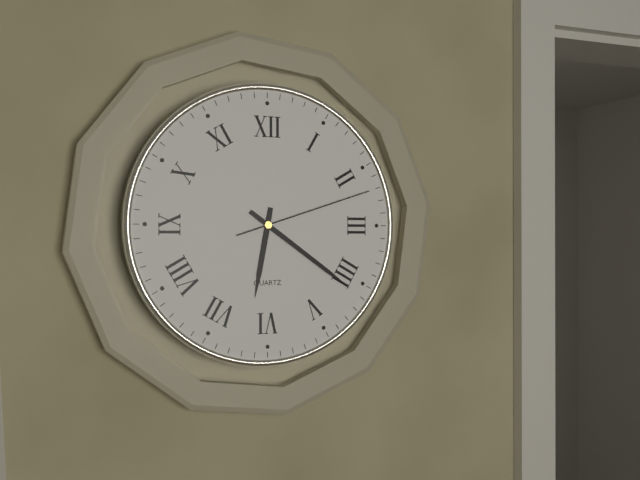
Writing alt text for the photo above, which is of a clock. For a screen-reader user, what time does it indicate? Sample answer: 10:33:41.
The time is 6:21:12
